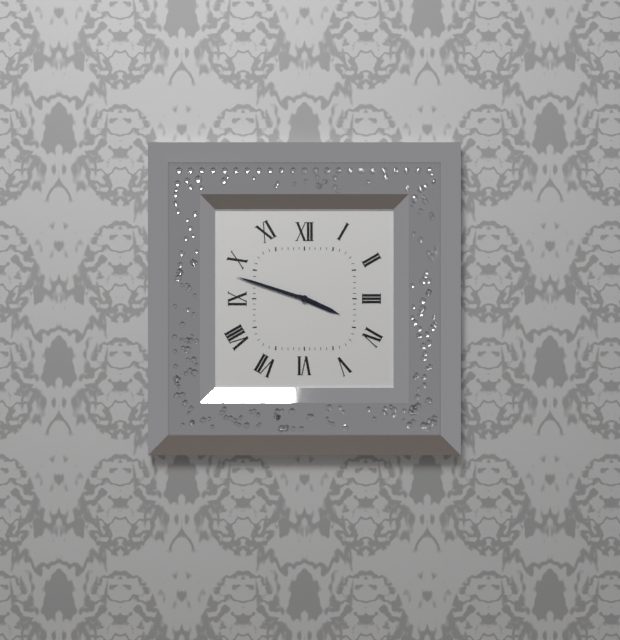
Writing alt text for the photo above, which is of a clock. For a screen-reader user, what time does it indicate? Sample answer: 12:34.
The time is 3:48
